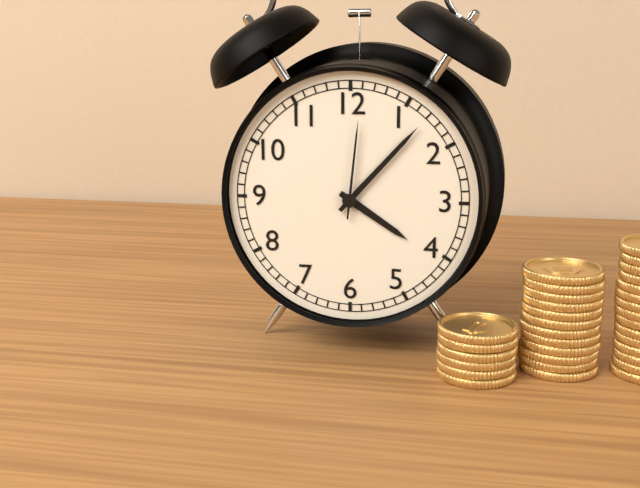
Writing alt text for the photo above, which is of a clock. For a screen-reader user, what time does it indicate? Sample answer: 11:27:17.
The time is 4:07:01
